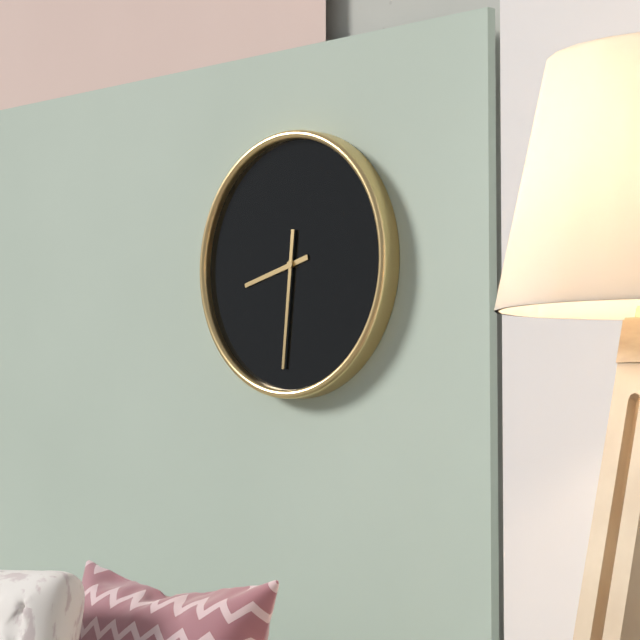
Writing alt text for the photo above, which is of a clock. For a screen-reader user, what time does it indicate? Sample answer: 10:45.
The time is 8:31
